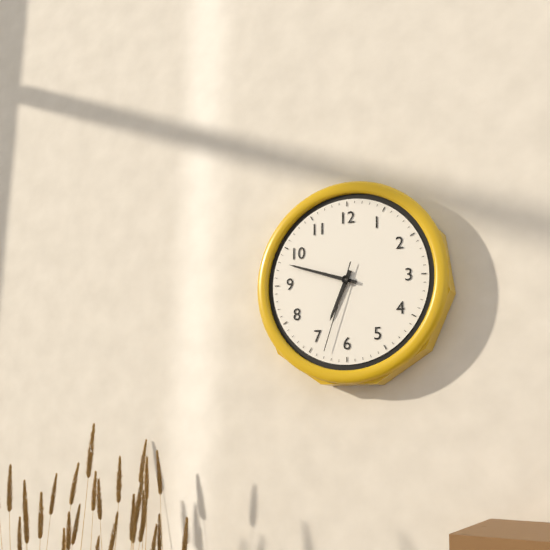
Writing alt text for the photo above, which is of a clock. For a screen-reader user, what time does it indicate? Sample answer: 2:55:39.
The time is 6:48:33
